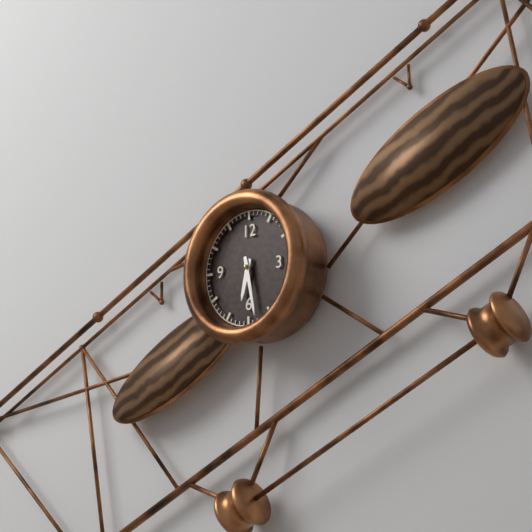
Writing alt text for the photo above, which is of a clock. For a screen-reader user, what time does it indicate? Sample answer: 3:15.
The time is 6:28
